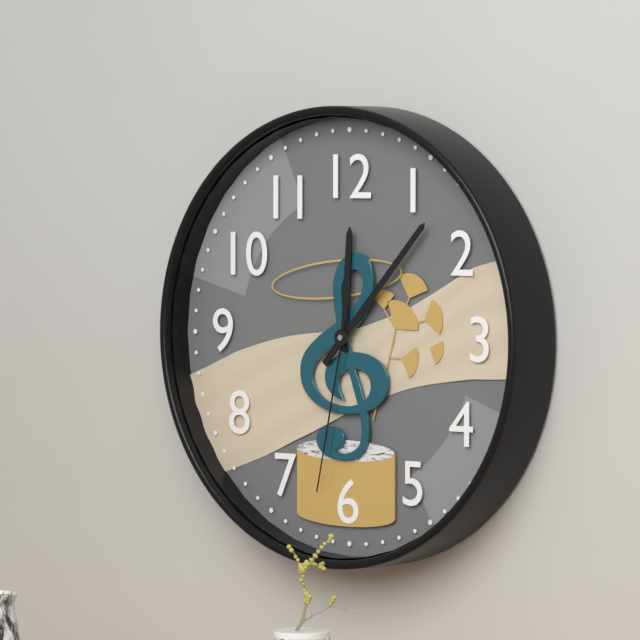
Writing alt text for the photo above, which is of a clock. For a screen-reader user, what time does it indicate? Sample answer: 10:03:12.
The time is 12:07:32
